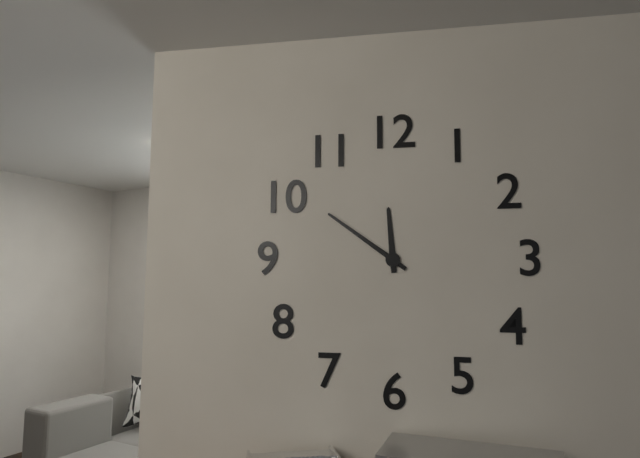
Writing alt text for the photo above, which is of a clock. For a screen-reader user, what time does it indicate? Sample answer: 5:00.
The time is 11:51
